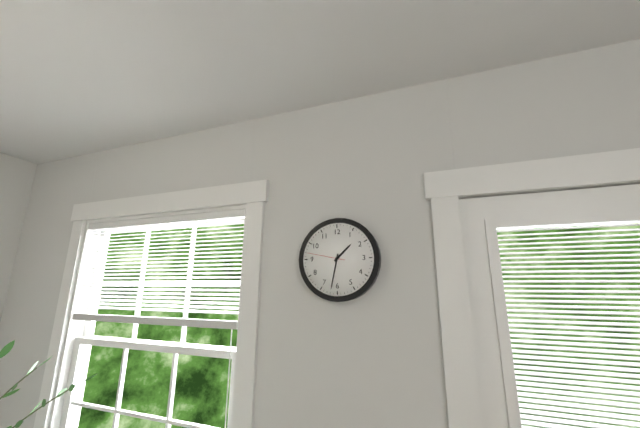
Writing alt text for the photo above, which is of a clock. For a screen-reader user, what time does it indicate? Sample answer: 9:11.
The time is 1:32
